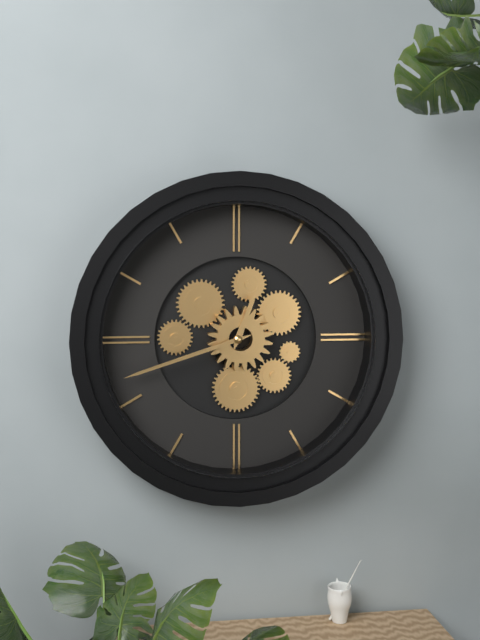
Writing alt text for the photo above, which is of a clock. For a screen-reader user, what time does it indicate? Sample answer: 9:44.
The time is 12:42
